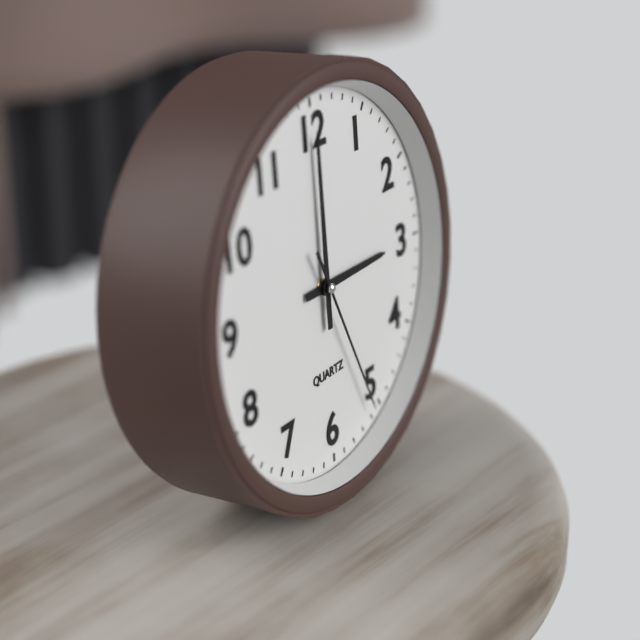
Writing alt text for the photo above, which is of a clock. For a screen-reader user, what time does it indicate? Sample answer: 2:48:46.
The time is 3:00:26
